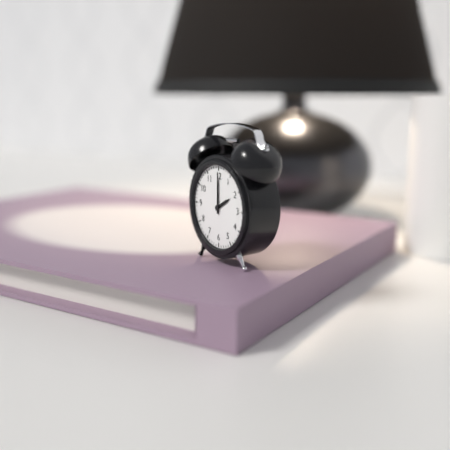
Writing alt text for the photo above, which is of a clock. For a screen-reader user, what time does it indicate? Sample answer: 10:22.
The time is 2:00
